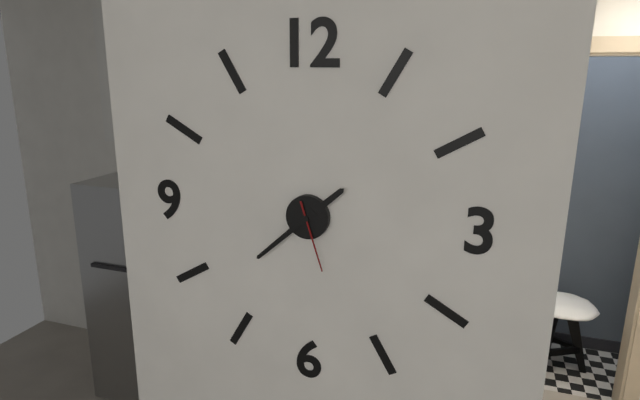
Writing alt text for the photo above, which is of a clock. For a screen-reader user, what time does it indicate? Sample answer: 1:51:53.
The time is 1:38:27
